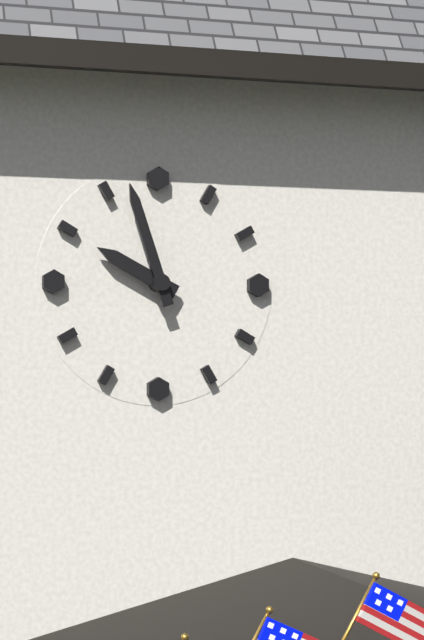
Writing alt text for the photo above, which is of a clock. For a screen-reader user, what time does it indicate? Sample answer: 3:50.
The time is 9:57
